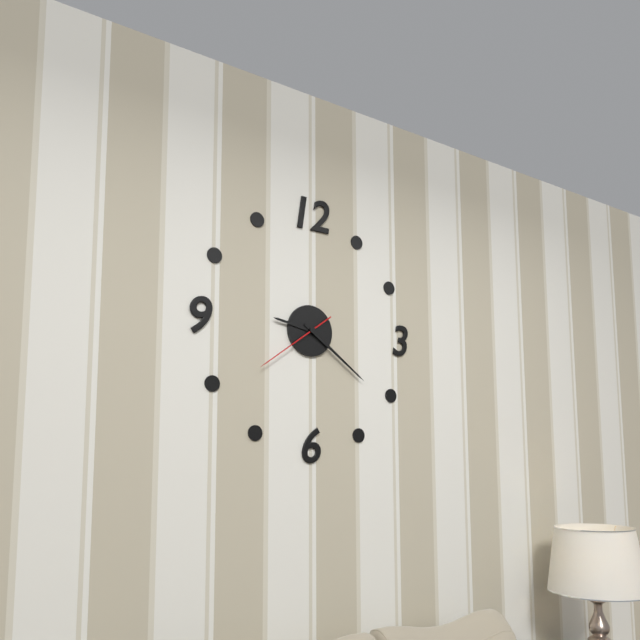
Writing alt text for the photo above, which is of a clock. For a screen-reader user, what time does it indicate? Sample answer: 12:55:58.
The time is 9:21:39
